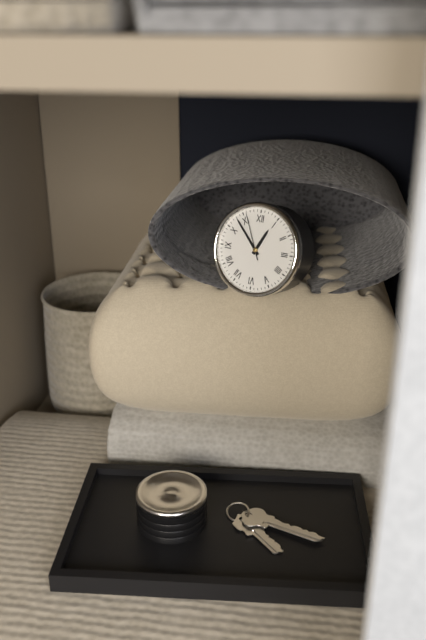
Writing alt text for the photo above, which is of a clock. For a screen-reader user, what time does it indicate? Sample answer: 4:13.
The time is 12:53
